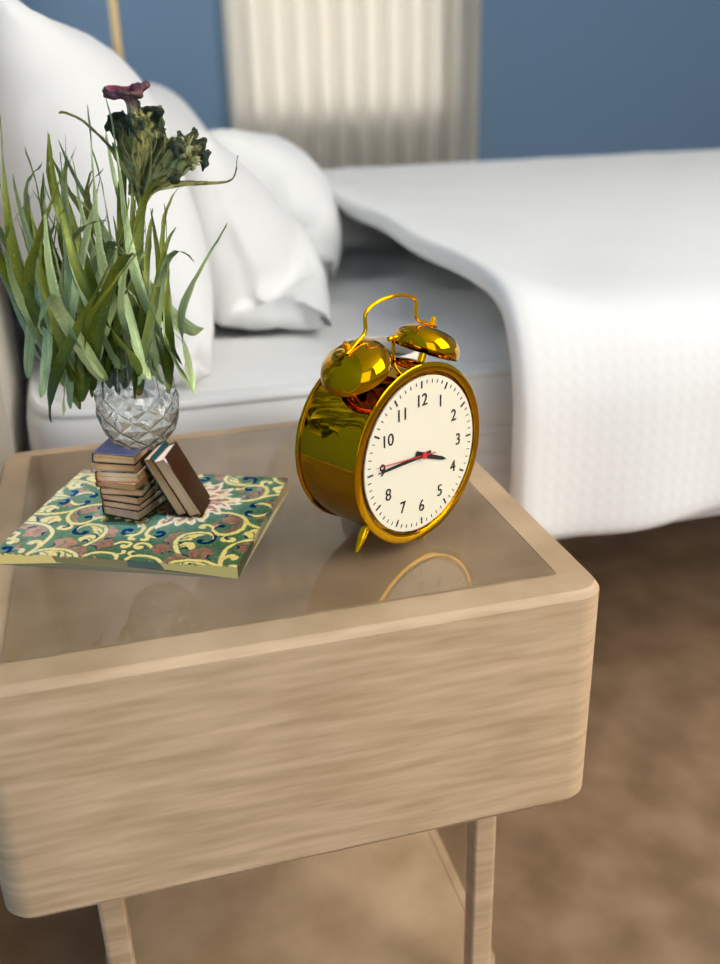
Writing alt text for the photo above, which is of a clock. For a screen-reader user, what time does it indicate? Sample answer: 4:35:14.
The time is 3:45:46
